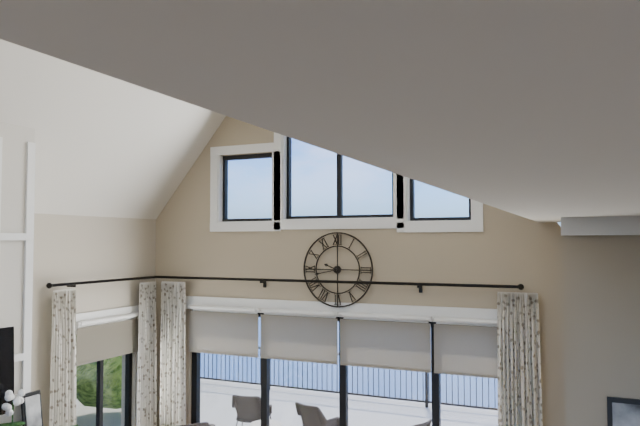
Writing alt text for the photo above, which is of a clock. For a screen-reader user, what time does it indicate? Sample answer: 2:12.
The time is 9:43
